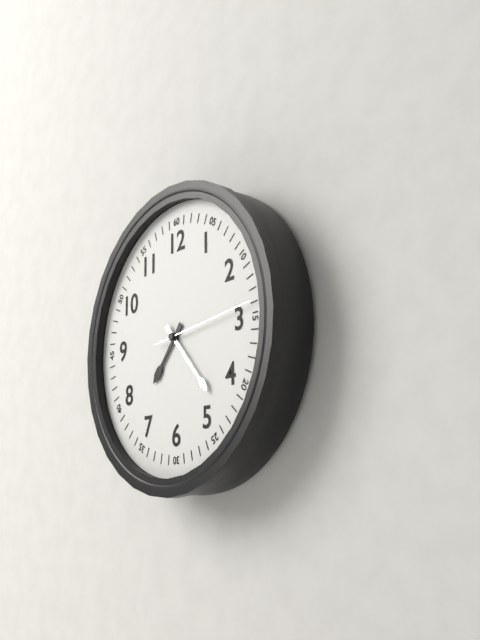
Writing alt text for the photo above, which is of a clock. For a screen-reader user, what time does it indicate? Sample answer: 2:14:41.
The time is 7:23:14
